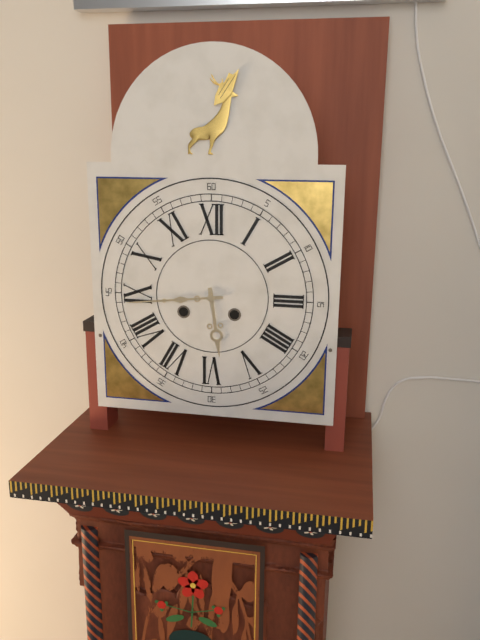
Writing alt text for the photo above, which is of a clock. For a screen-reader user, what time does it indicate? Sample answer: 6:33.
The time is 5:44
